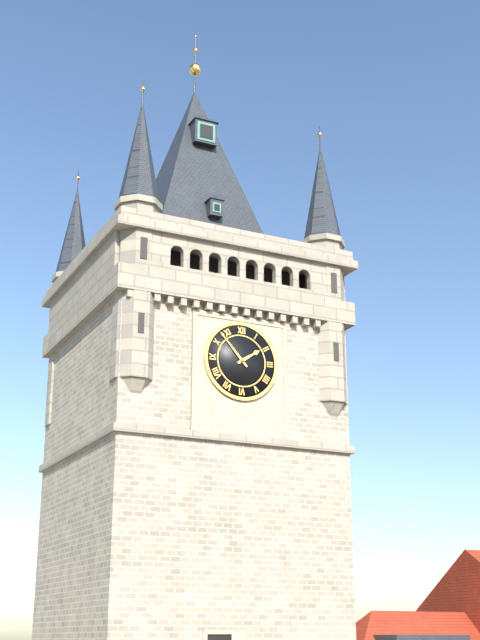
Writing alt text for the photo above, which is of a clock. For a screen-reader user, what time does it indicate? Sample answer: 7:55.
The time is 1:53
